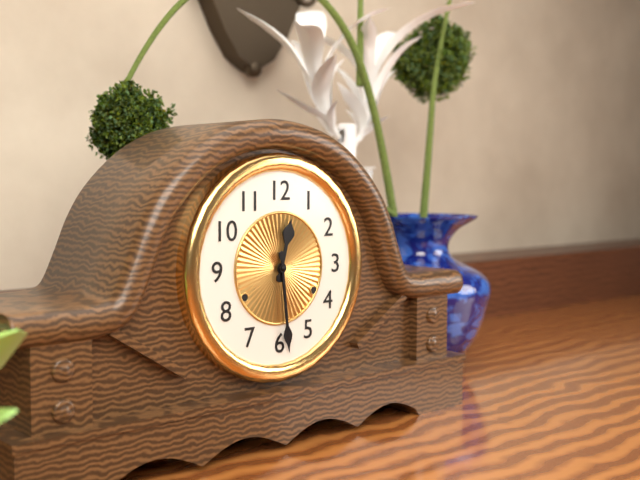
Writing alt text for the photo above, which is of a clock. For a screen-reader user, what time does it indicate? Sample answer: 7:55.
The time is 12:29
